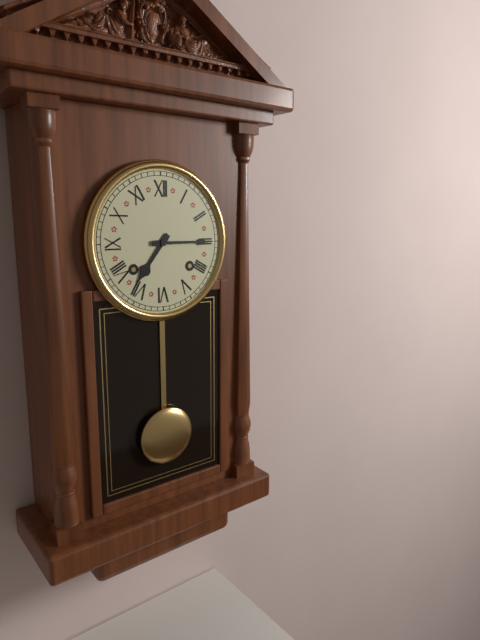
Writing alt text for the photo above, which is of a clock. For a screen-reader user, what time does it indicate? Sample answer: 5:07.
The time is 7:15
